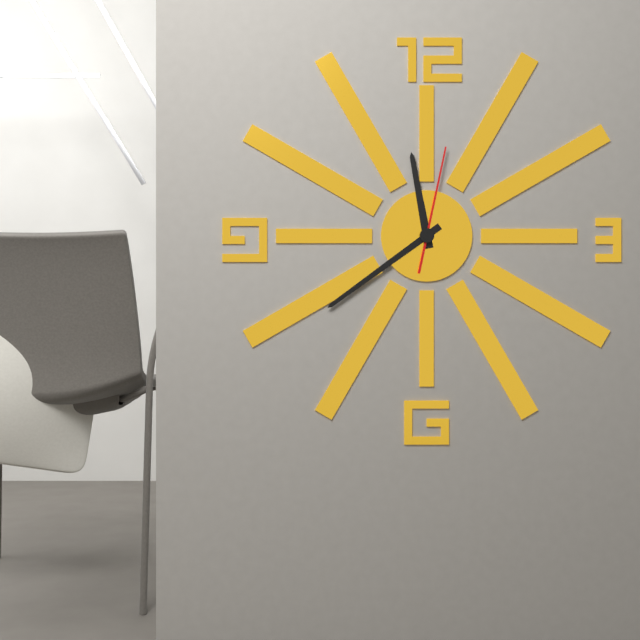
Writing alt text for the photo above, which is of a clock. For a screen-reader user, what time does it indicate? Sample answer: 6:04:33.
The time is 11:39:02
